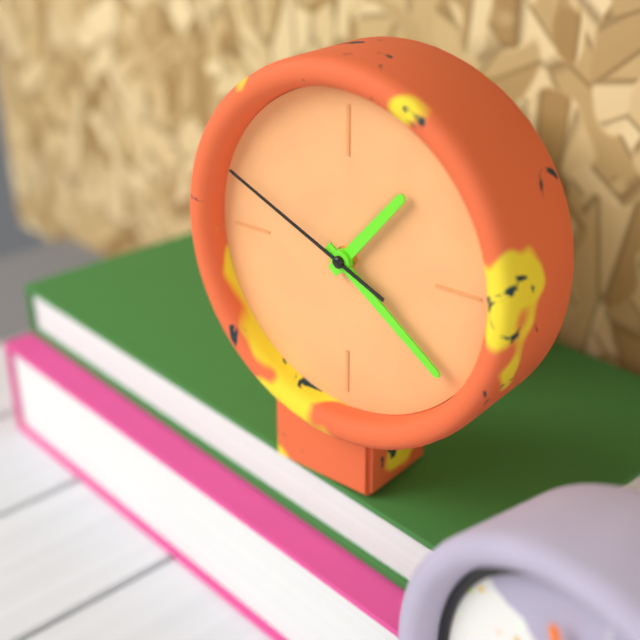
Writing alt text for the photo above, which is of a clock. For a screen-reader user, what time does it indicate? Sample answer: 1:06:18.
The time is 1:21:49
